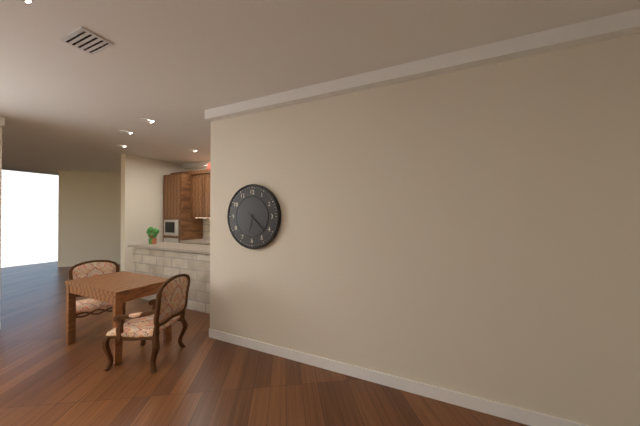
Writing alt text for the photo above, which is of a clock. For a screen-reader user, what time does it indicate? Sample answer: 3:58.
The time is 6:22
